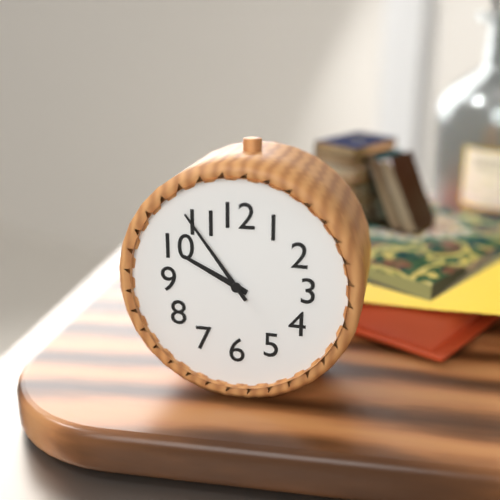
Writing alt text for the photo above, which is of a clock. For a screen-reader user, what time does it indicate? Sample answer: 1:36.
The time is 9:54
